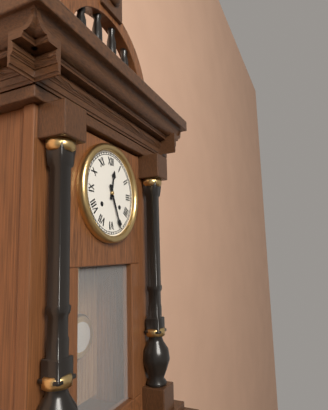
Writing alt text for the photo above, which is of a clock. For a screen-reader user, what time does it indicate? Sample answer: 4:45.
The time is 12:26
